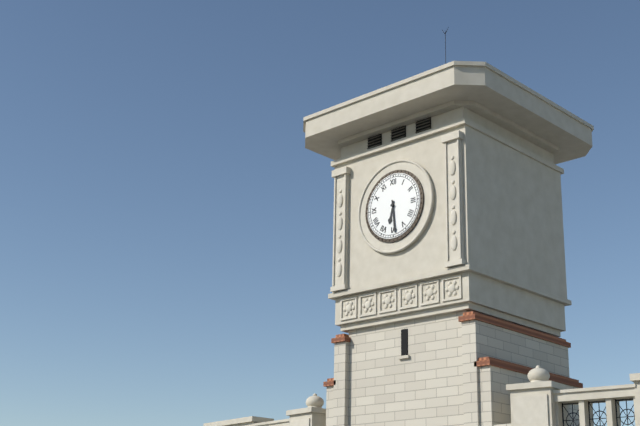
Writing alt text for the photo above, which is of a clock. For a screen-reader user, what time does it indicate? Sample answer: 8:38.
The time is 6:29
